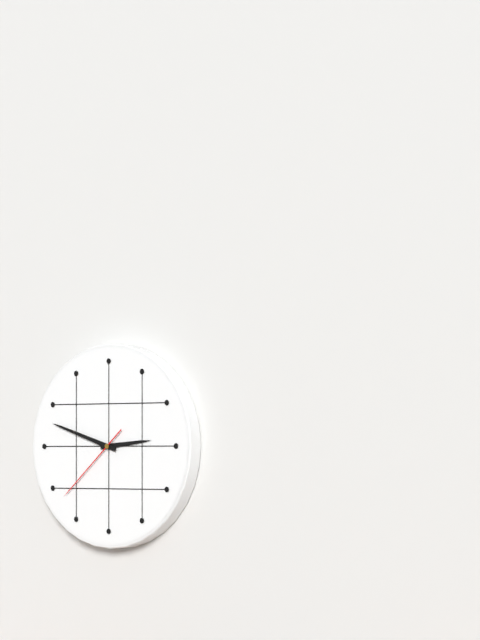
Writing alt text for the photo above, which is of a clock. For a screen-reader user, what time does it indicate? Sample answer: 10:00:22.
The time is 2:48:38
